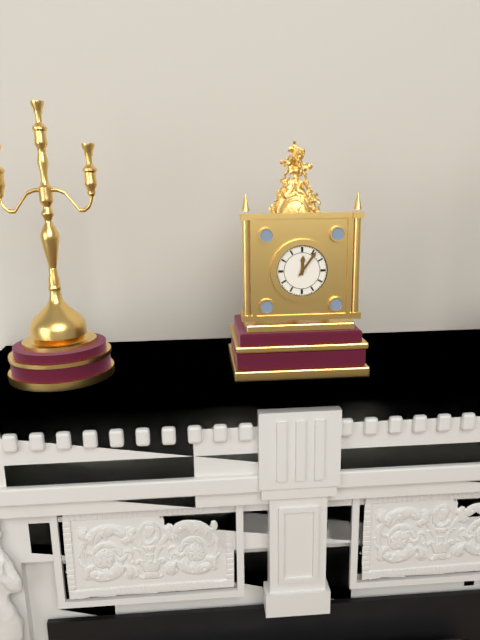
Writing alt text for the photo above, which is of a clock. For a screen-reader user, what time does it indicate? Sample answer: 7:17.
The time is 12:06
